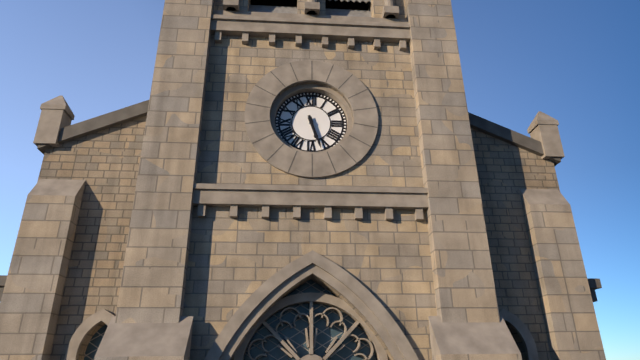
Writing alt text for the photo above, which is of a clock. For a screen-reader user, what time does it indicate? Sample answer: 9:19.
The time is 5:27
